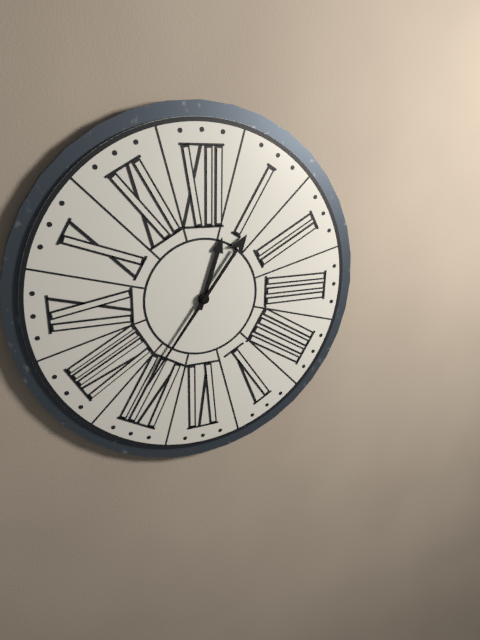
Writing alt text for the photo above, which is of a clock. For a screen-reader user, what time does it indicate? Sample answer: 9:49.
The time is 12:36
